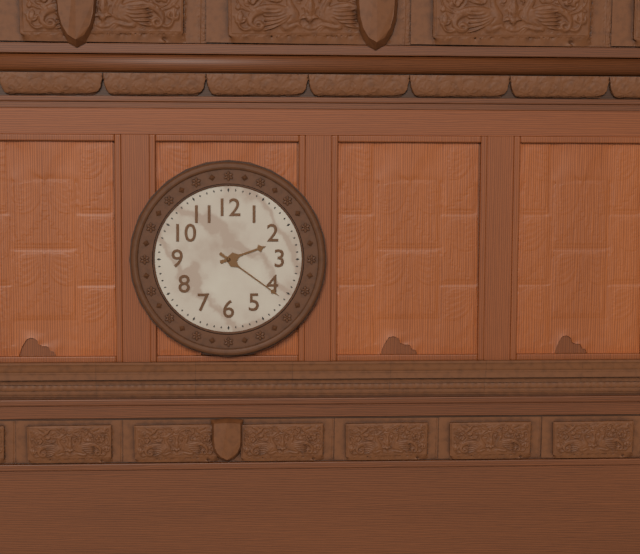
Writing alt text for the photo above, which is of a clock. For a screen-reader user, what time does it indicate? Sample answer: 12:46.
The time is 2:21
